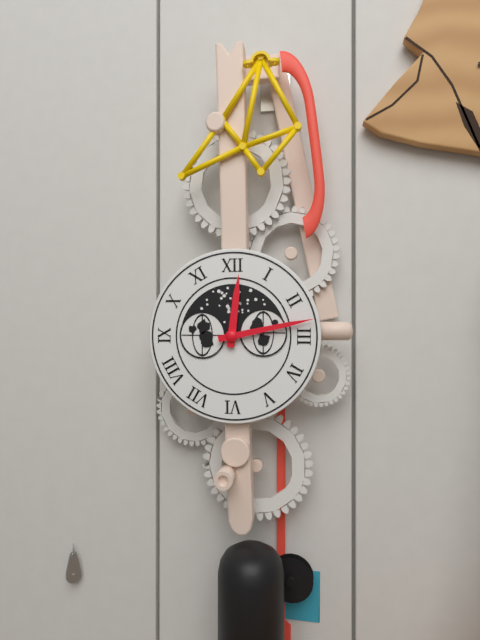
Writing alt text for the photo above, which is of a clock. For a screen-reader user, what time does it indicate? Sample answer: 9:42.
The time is 12:13
